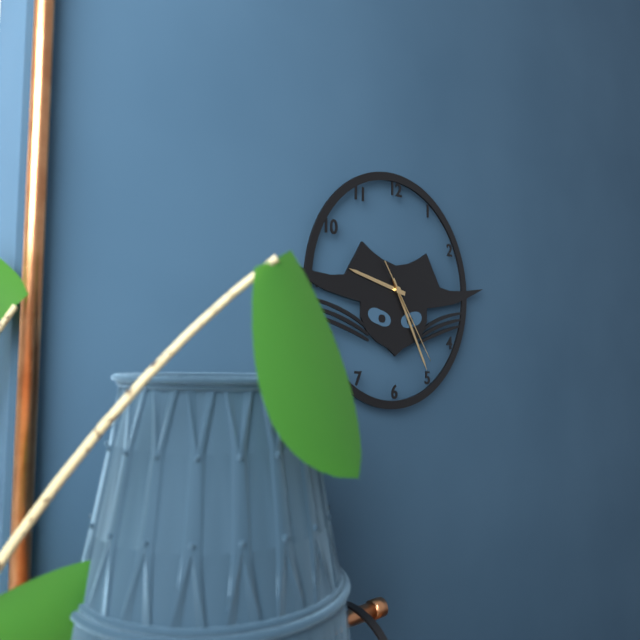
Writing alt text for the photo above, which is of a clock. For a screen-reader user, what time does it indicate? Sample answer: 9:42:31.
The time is 9:25:24
